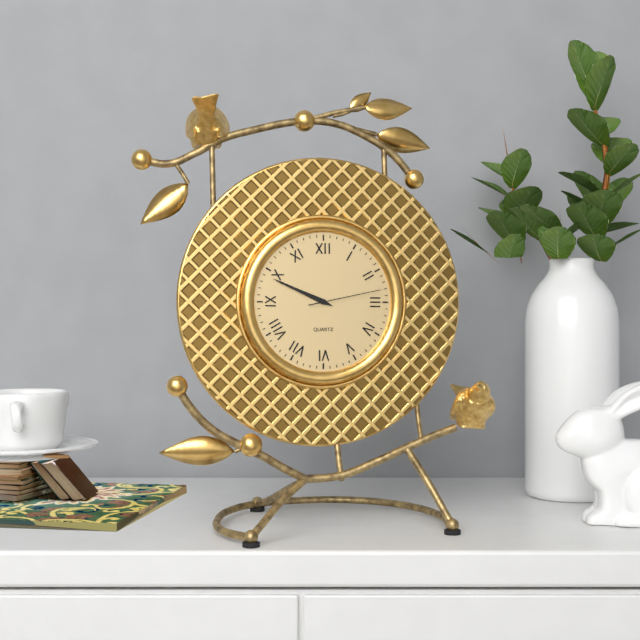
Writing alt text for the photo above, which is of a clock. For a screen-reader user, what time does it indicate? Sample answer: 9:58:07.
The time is 9:49:13
